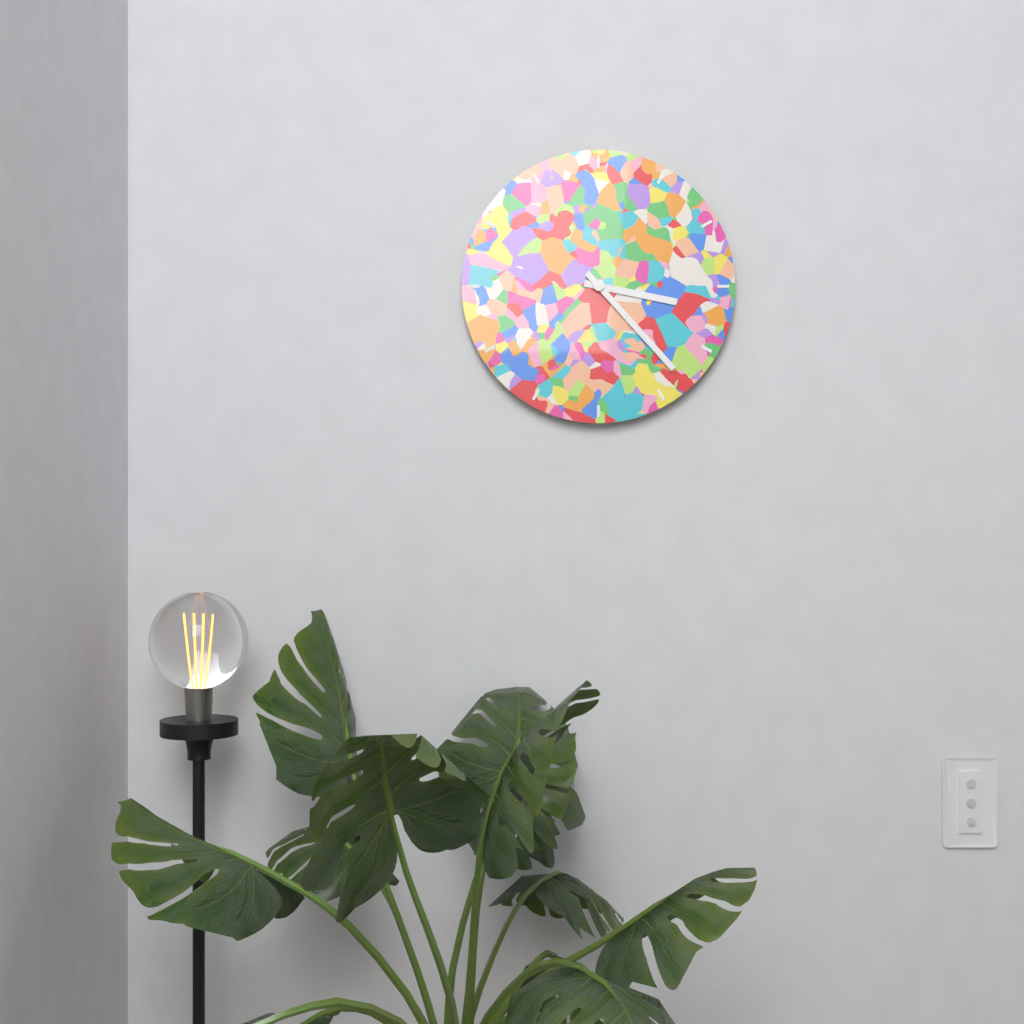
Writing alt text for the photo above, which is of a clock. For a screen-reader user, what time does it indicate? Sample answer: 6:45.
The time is 3:23
